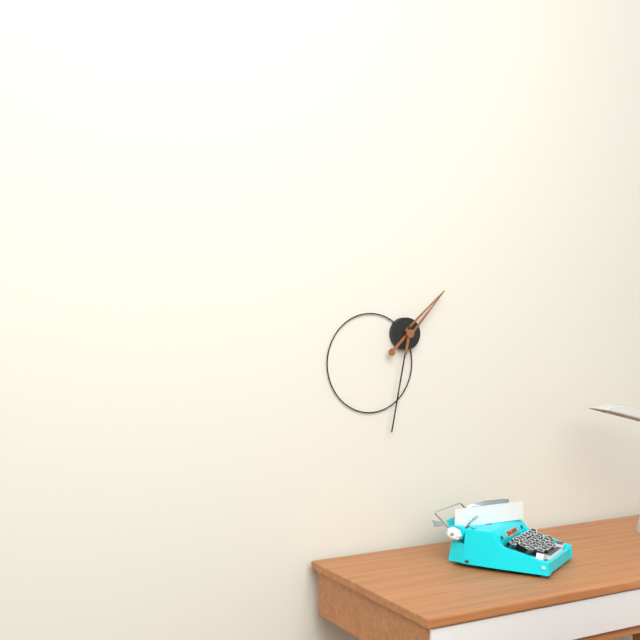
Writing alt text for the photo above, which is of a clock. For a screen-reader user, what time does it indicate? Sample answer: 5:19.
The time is 1:32
